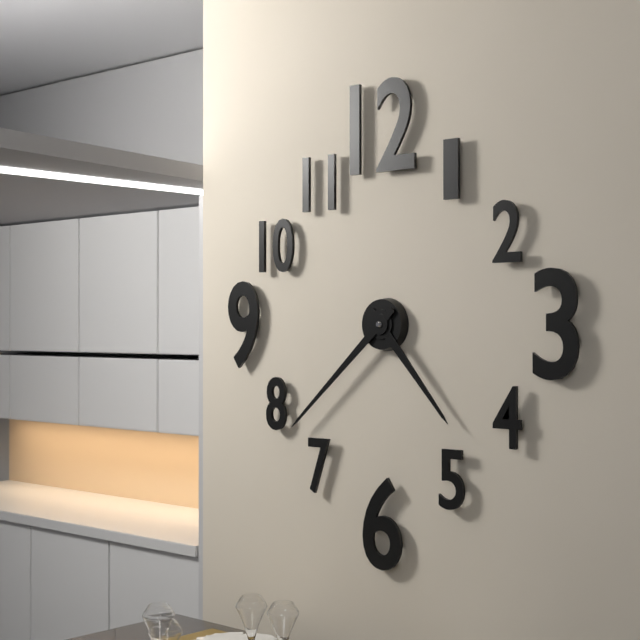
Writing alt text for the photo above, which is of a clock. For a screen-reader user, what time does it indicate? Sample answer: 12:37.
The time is 4:38
